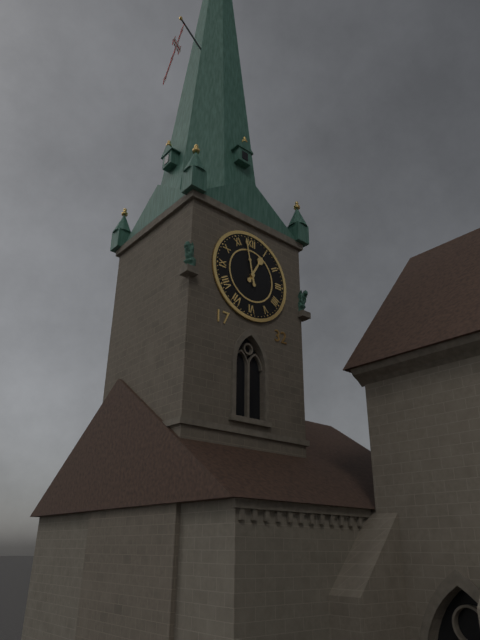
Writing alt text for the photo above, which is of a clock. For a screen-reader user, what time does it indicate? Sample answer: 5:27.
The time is 12:58
